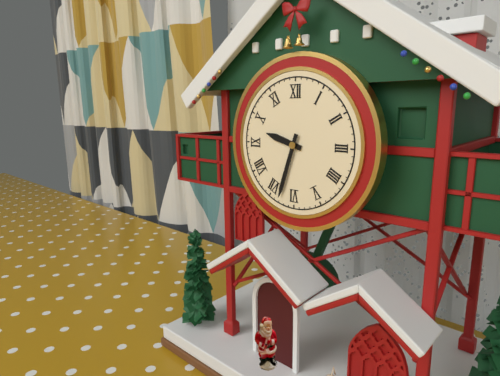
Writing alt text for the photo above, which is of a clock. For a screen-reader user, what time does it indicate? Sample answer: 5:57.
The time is 9:33
